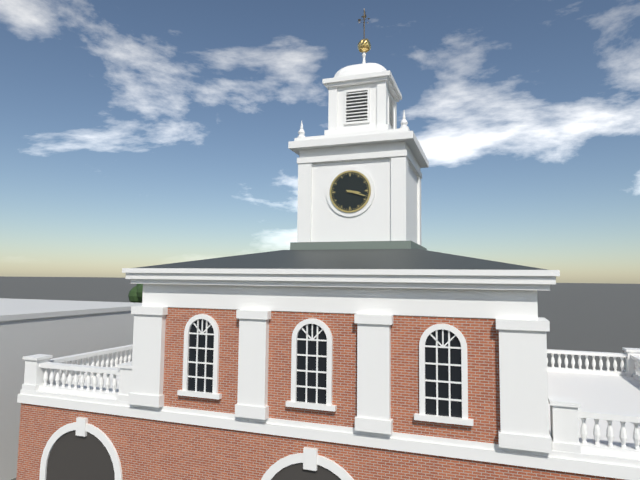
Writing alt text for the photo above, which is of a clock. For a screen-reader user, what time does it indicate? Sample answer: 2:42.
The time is 3:18
